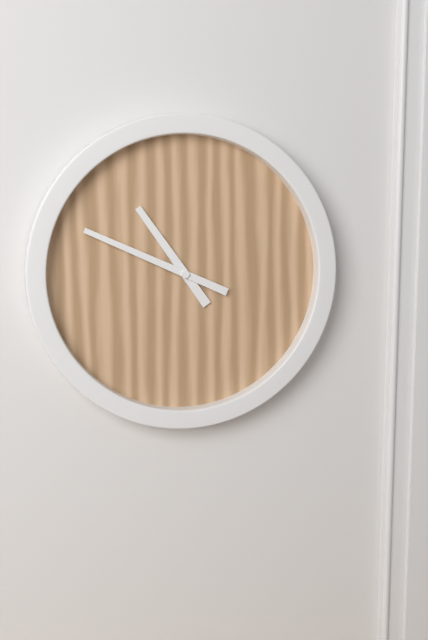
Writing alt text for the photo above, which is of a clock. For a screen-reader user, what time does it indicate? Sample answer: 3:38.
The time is 10:49
